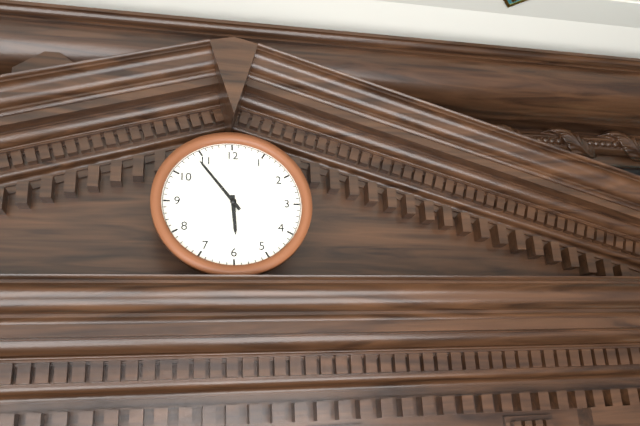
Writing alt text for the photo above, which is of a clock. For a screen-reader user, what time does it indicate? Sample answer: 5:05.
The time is 5:54
